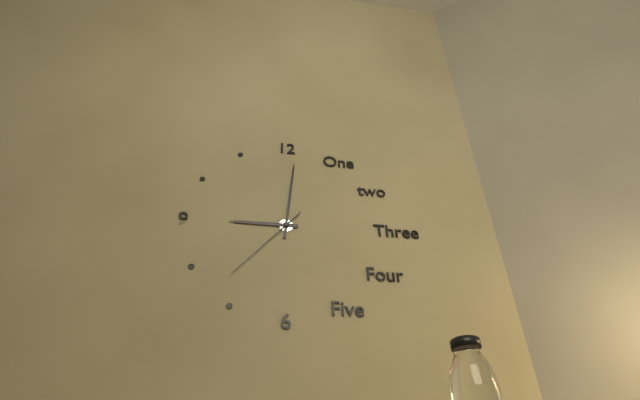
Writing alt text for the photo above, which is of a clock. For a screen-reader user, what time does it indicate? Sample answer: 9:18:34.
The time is 9:01:37
